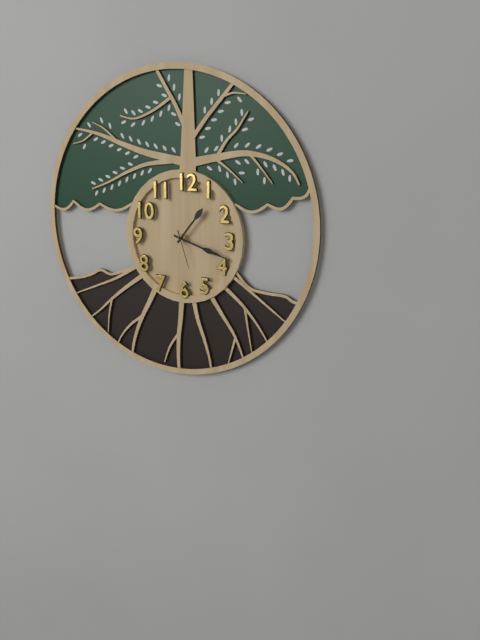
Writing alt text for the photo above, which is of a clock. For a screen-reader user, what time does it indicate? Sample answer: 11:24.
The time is 1:18
